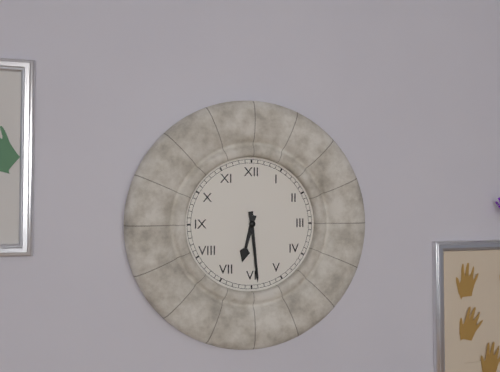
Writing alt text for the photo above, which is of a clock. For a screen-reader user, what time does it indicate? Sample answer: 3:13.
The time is 6:29
